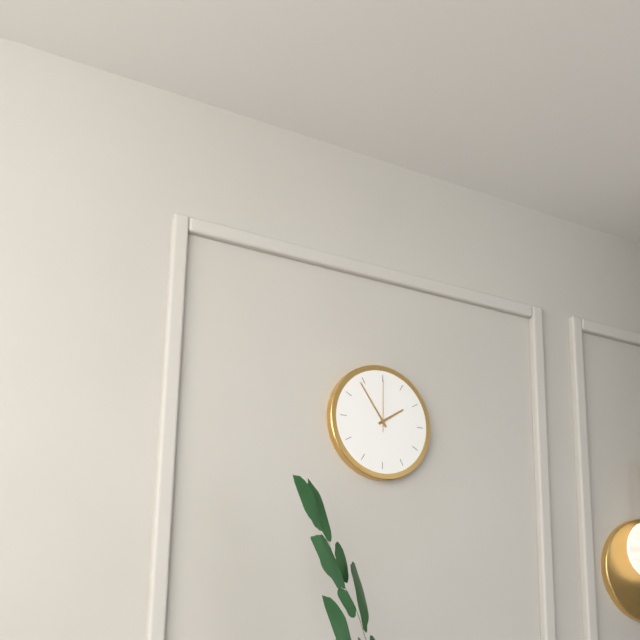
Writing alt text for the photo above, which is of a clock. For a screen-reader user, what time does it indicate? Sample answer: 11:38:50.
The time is 1:54:00
